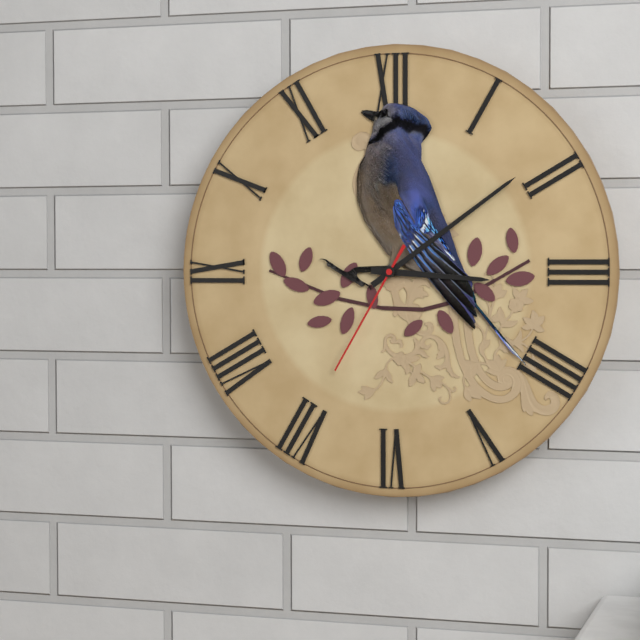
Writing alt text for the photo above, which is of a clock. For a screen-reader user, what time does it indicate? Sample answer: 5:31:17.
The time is 3:09:35
